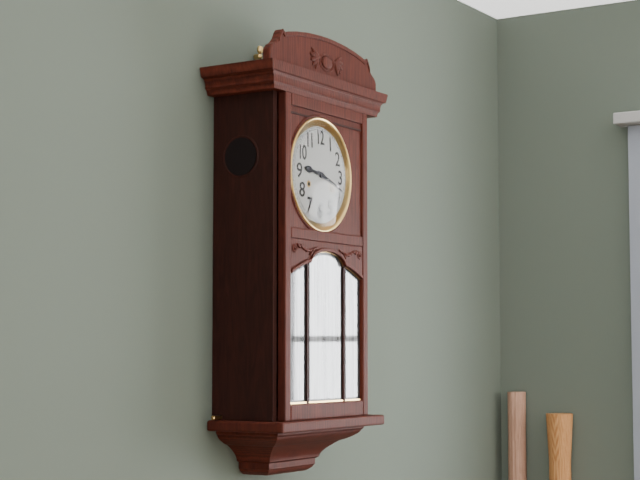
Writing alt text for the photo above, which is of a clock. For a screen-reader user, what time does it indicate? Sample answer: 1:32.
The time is 9:18
